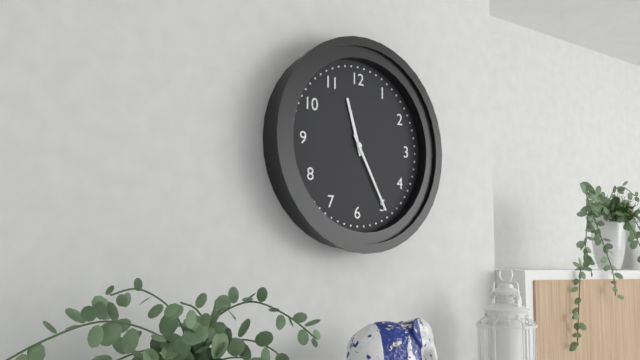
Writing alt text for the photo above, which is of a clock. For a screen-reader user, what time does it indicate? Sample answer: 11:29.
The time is 11:25
